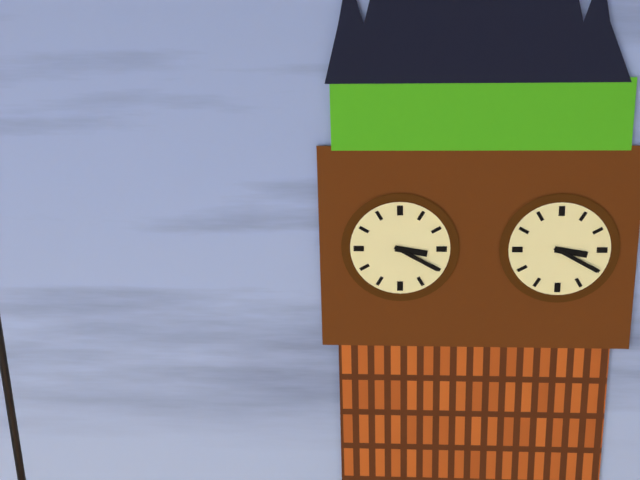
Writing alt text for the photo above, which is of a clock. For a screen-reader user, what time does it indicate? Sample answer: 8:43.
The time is 3:20
